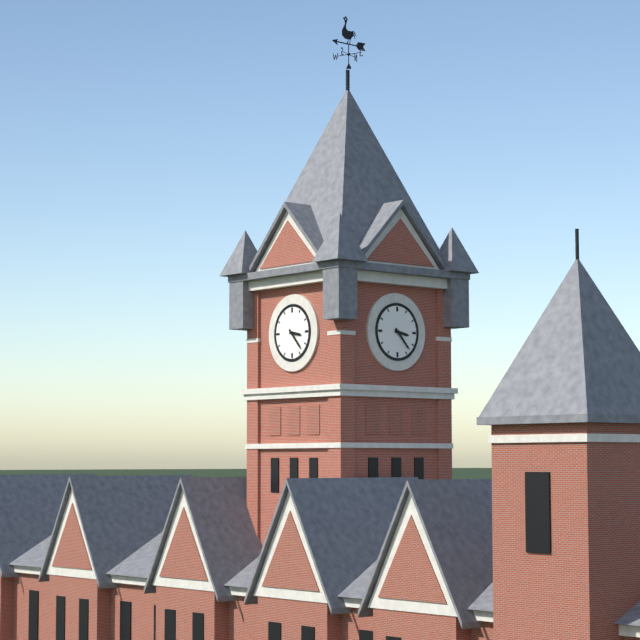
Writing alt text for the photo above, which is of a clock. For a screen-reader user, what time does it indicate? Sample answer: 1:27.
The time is 3:23
